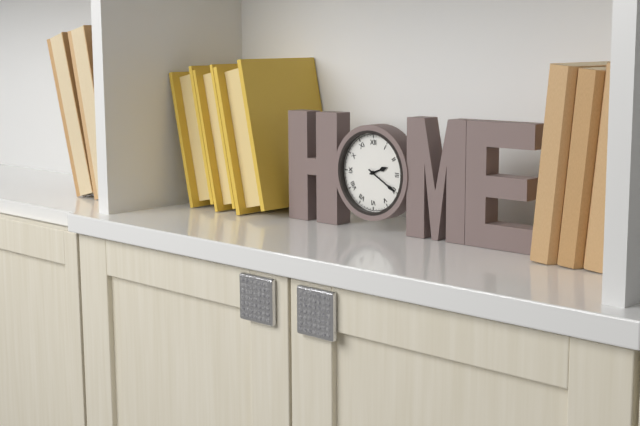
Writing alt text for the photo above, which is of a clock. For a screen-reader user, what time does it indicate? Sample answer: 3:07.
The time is 2:20
